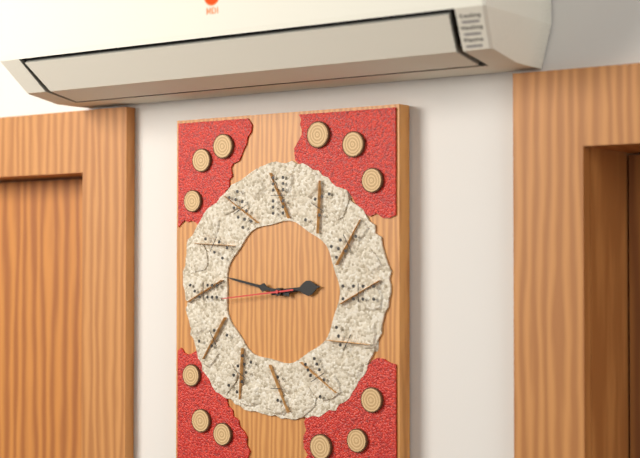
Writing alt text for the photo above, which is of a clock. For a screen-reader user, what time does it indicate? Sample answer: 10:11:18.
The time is 2:47:44
